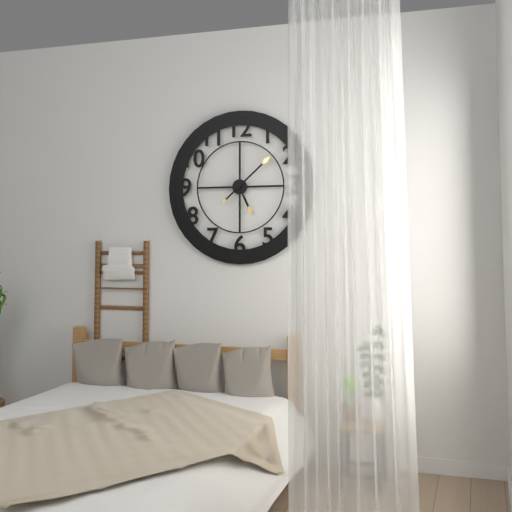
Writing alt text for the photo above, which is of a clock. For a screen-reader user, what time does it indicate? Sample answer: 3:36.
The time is 5:08
